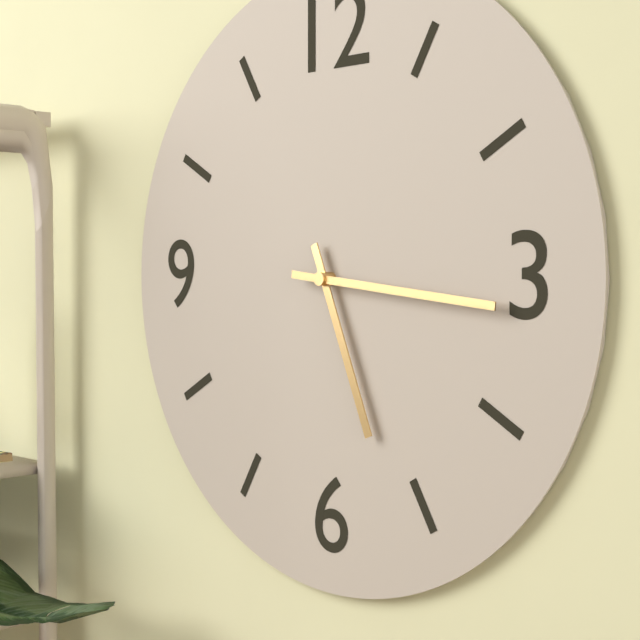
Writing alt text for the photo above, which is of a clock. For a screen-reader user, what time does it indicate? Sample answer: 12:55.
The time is 5:16
